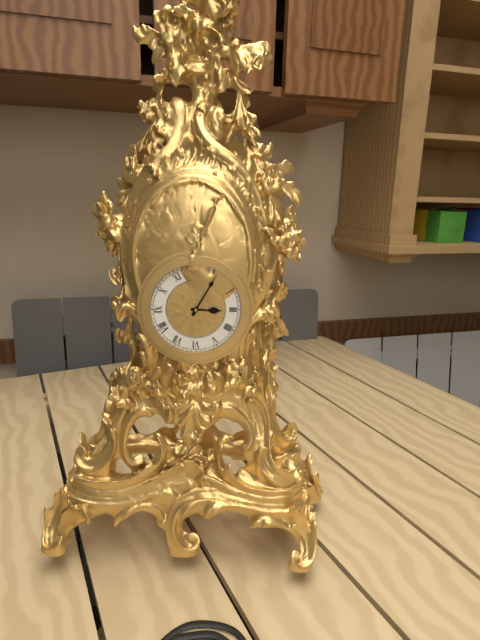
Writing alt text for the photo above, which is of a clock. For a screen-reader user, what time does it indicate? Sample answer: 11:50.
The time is 3:05
